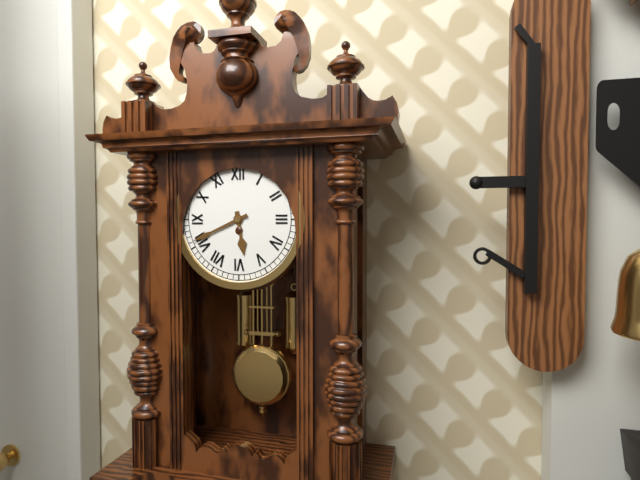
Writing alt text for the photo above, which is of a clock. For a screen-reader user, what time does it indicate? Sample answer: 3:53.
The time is 5:41
